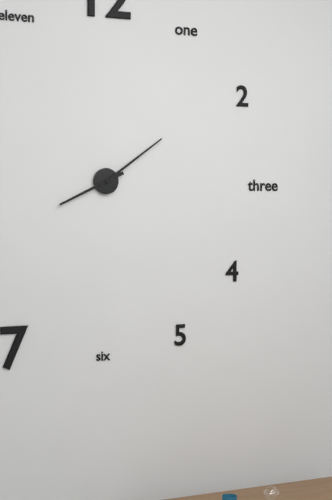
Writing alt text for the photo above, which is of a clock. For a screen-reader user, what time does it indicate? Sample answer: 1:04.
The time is 8:09
